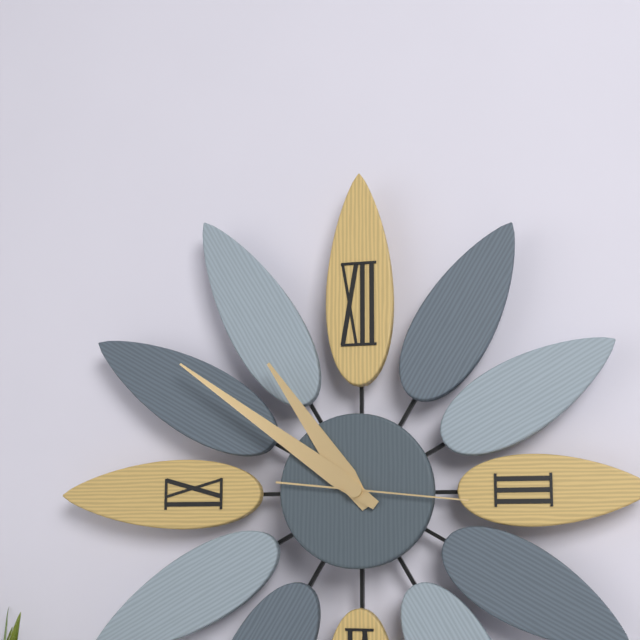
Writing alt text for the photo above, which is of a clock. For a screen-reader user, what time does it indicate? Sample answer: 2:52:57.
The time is 10:51:16
